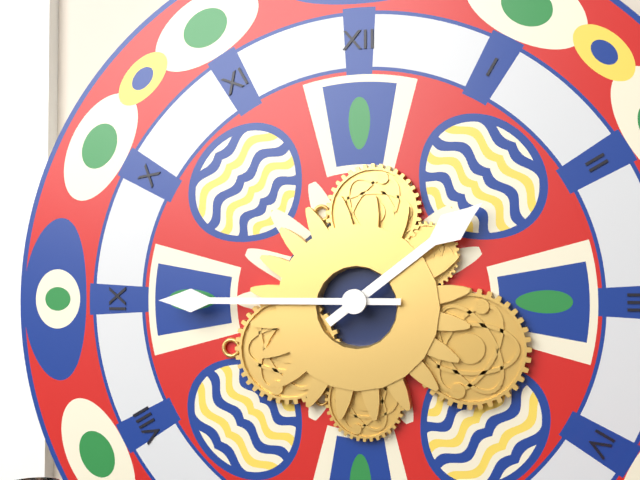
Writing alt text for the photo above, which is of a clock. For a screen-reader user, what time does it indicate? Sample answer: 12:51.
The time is 1:45
